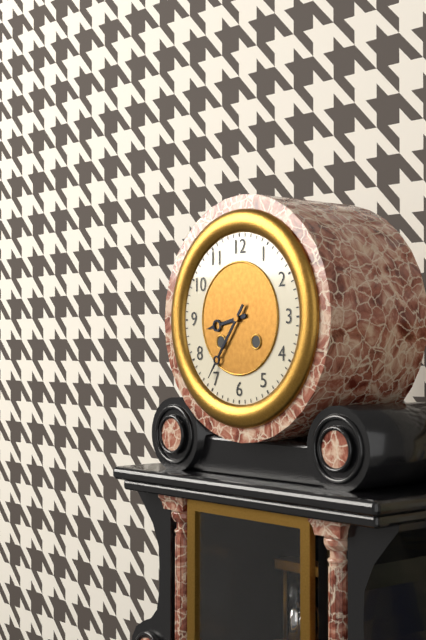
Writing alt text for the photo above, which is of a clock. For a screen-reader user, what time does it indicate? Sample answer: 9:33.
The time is 8:36
